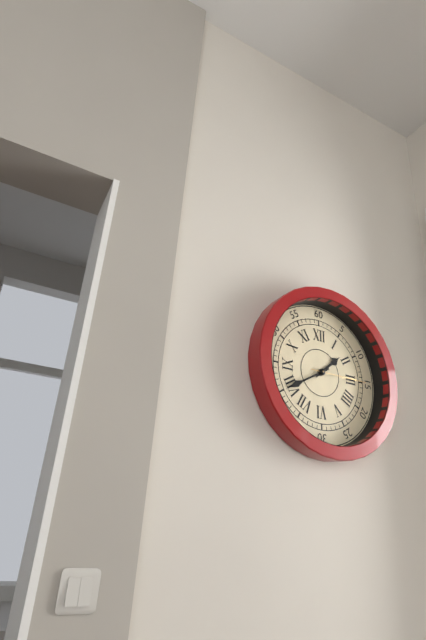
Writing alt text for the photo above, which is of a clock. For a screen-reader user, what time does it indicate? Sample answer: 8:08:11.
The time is 1:40:15
